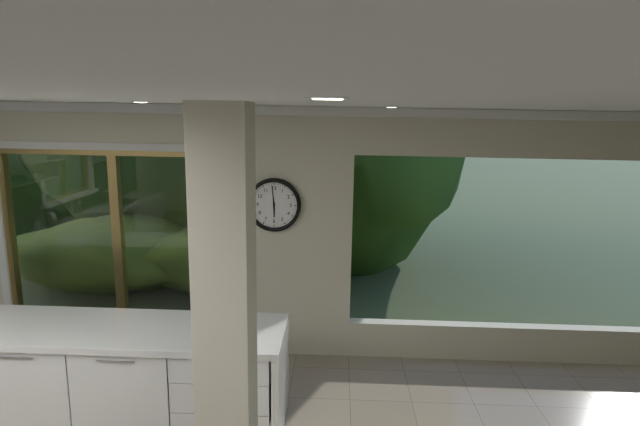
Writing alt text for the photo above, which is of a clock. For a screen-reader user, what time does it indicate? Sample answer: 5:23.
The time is 5:59
